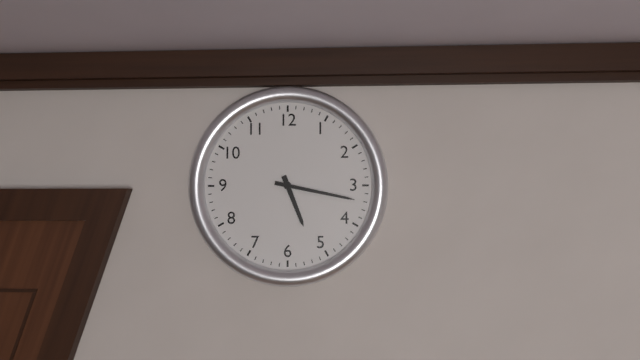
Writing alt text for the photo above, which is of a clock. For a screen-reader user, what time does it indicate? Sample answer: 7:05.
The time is 5:17
